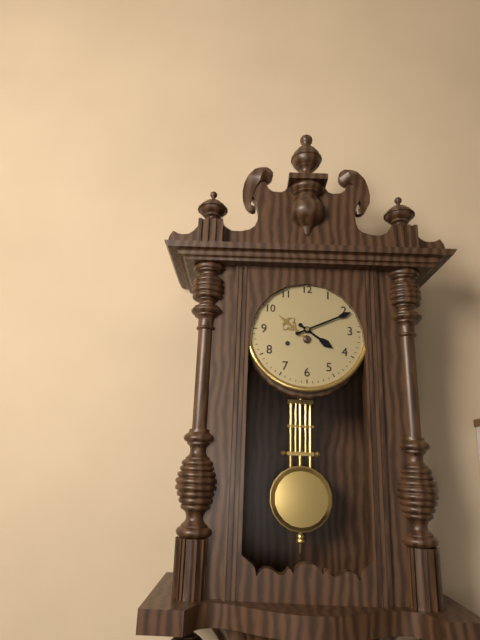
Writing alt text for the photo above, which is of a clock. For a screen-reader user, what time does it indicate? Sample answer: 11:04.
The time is 4:11
